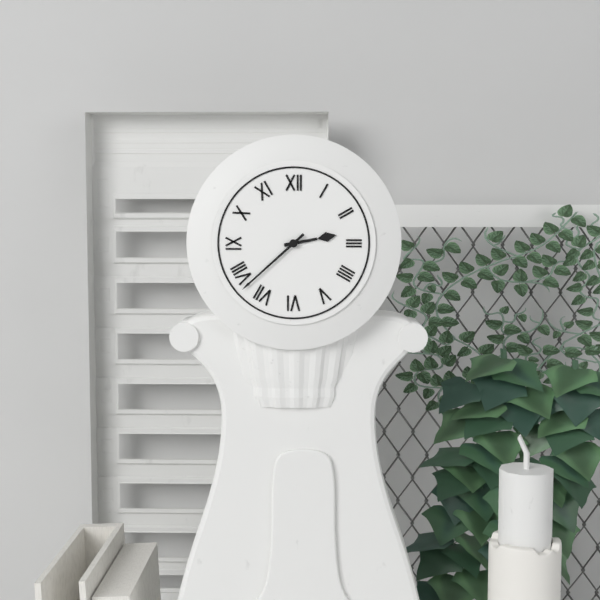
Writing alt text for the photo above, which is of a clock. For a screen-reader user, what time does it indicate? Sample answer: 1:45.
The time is 2:38
